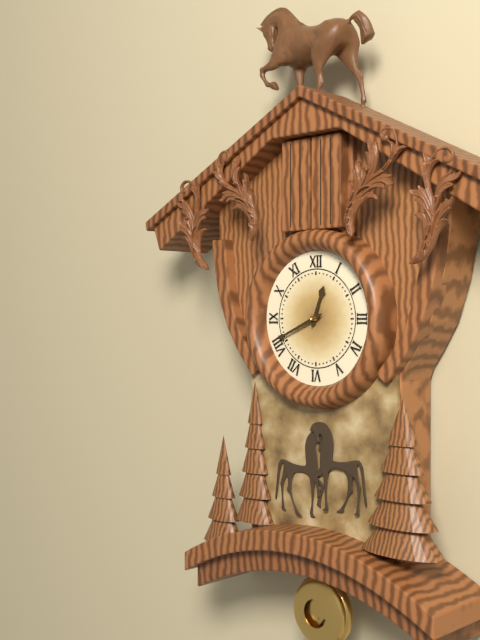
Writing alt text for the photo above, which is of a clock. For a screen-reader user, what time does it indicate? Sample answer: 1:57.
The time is 12:41
